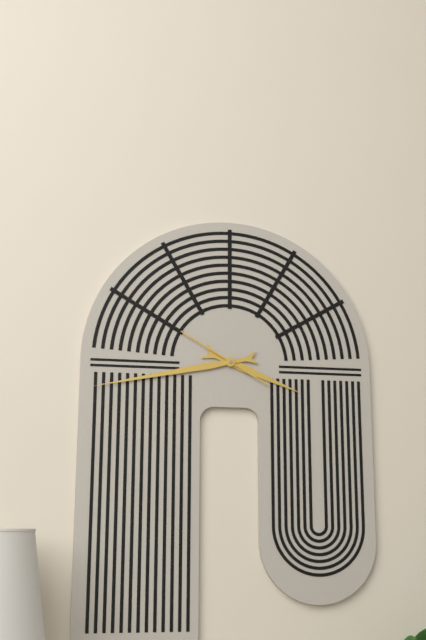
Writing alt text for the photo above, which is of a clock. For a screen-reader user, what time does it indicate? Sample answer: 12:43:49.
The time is 3:43:50
